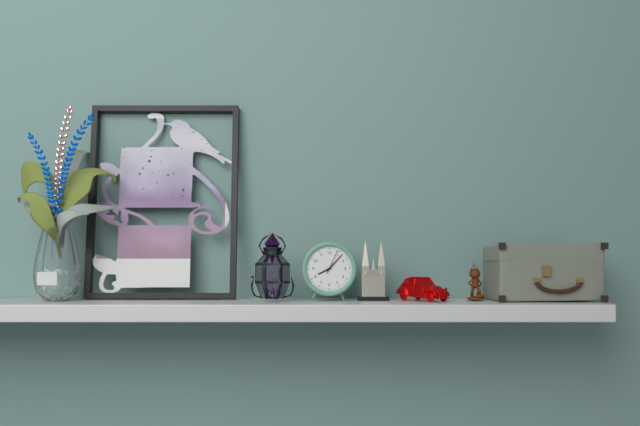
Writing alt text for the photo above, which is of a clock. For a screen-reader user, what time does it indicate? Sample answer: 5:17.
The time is 8:07
